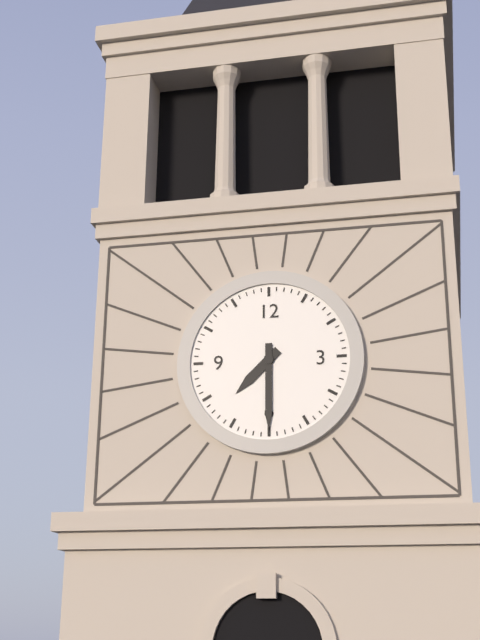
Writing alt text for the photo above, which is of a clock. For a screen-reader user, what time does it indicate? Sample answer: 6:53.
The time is 7:30
